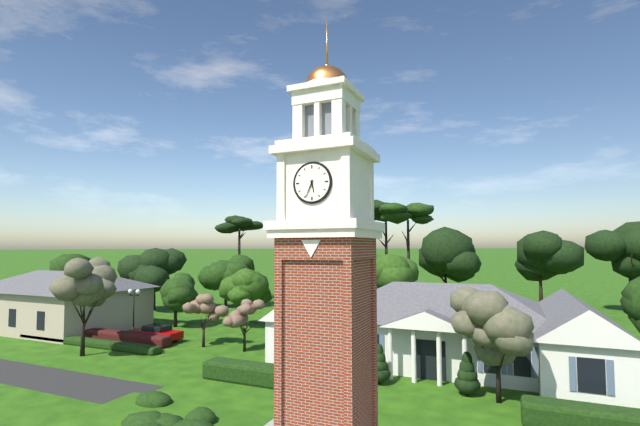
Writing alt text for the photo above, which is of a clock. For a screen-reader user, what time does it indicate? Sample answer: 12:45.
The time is 5:34
